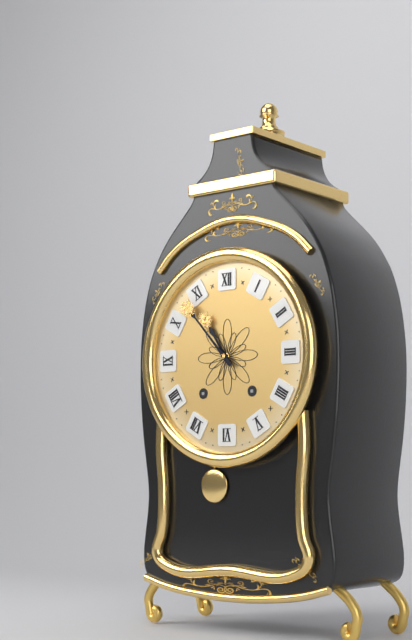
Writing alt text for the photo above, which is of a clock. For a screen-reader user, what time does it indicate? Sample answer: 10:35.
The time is 10:53
